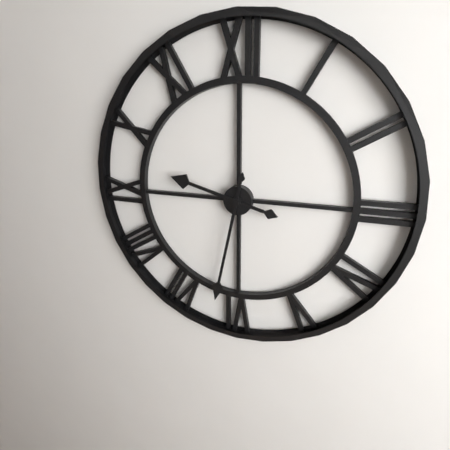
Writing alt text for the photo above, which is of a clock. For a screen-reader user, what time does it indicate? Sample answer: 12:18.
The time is 9:32
